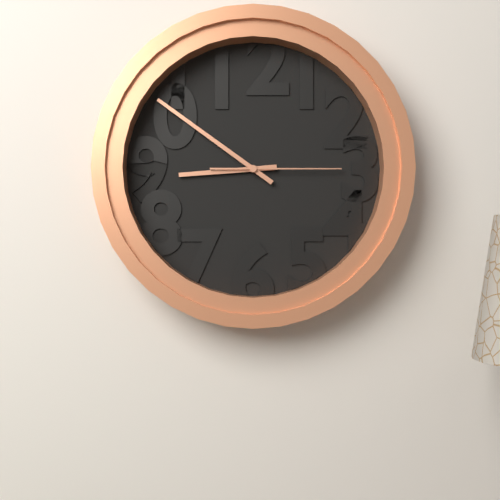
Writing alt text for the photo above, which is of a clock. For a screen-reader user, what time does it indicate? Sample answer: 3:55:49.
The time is 8:51:15
